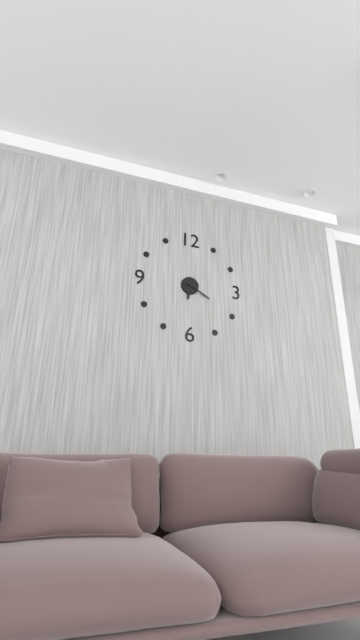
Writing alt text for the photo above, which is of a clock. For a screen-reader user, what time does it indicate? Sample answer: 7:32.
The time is 6:20
